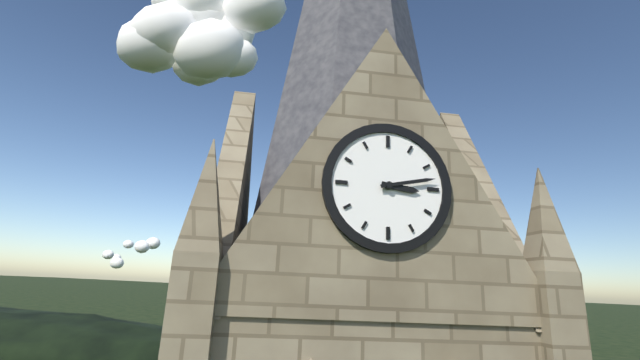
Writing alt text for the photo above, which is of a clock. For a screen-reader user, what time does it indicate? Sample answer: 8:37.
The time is 3:13
